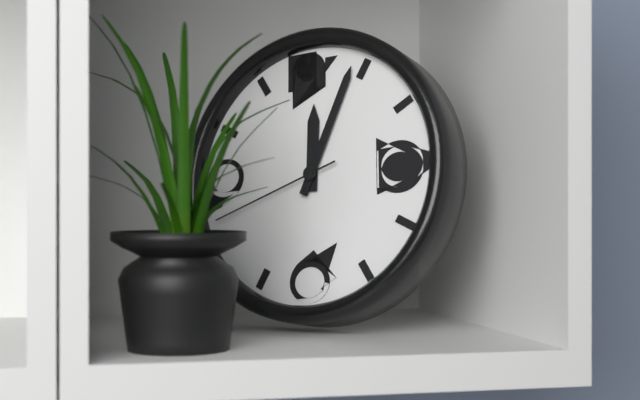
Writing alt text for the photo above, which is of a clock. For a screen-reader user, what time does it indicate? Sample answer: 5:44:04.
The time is 12:04:42
